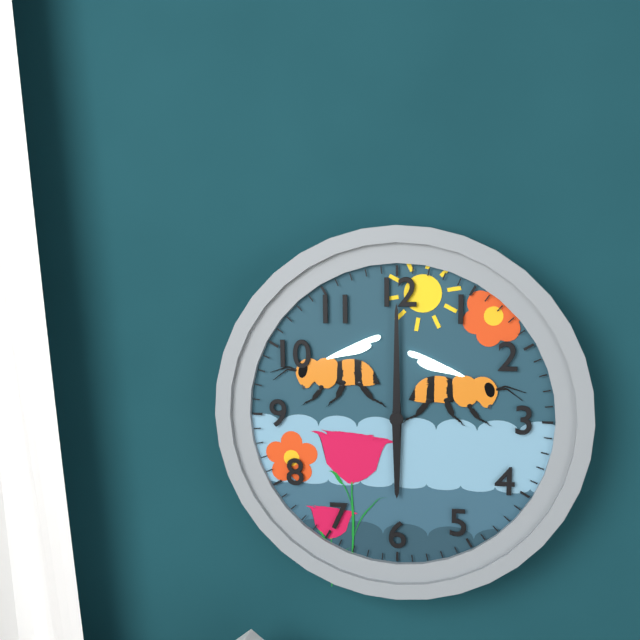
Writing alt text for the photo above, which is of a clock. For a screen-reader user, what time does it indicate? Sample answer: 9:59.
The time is 6:00
